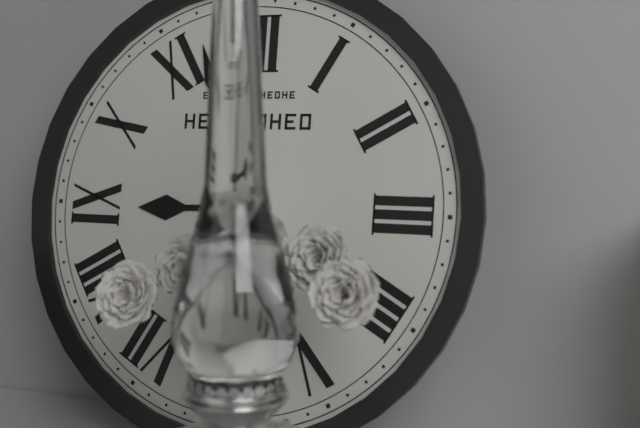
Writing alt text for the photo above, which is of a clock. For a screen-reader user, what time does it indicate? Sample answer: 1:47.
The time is 8:57
